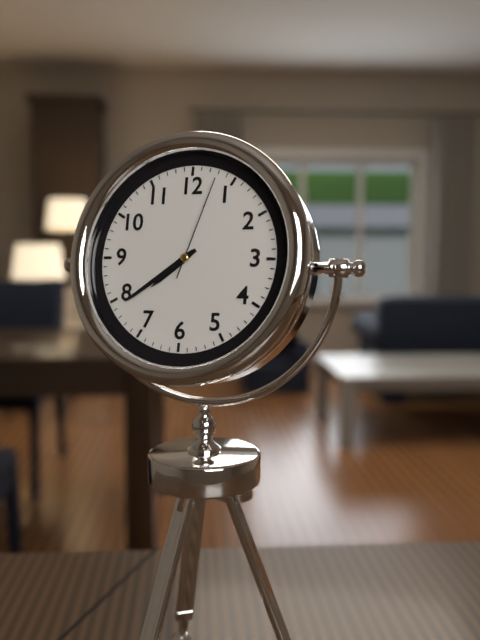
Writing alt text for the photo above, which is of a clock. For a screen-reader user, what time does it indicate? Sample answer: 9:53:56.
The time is 7:39:03
